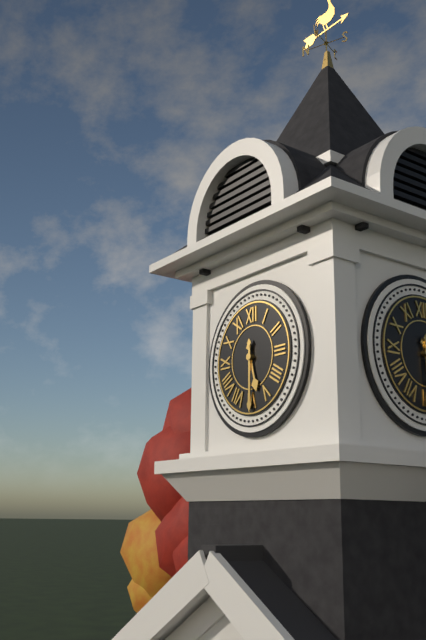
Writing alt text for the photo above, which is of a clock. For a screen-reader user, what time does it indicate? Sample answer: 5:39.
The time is 5:30
